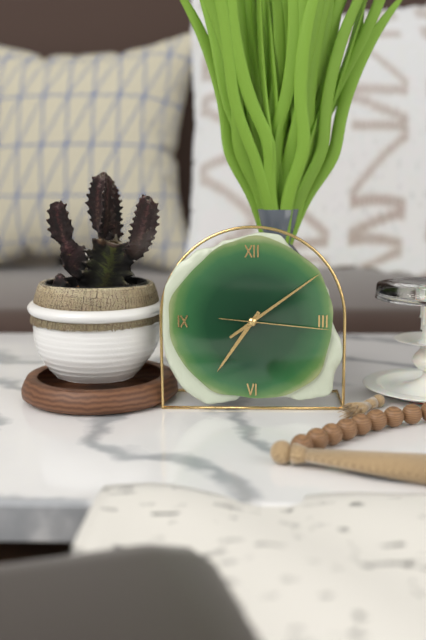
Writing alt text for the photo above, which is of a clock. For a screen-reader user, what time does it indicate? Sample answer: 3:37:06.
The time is 7:09:16
